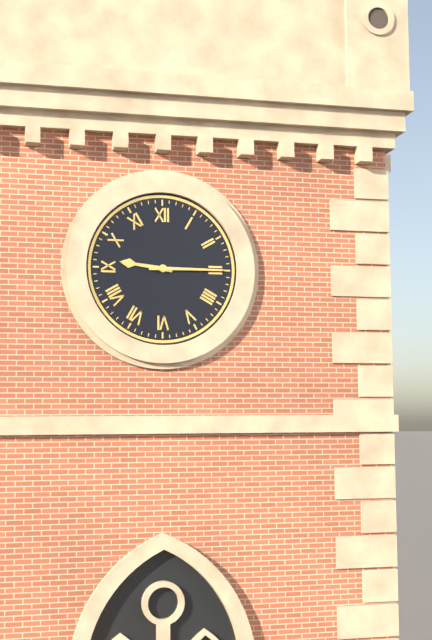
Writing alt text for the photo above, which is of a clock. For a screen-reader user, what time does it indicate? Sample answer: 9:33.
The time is 9:15
